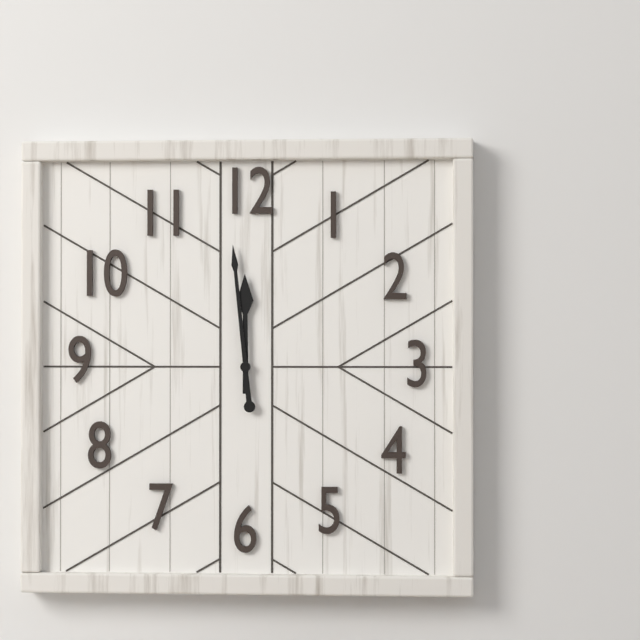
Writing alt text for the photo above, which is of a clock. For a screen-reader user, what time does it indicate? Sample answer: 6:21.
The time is 11:59
